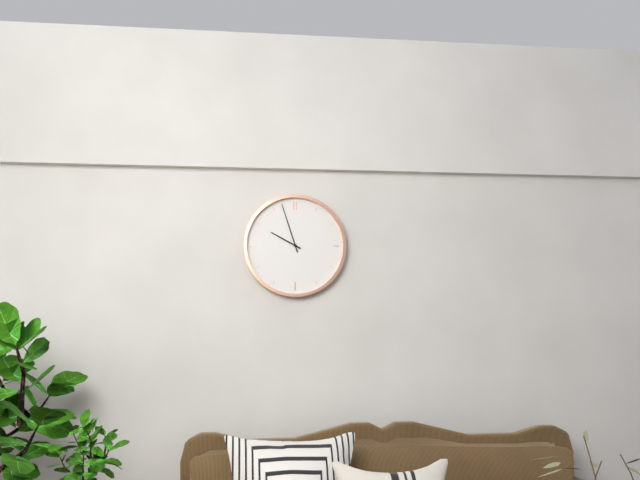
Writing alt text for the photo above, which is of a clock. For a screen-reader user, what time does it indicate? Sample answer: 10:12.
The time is 9:57
